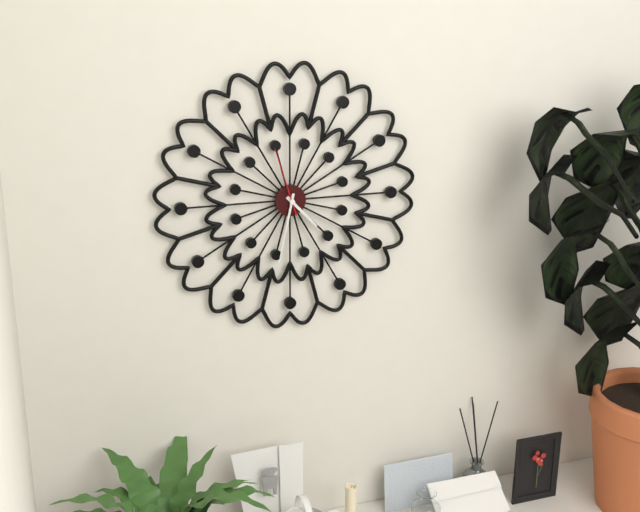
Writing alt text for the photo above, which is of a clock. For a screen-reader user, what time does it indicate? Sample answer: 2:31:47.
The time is 4:32:57
